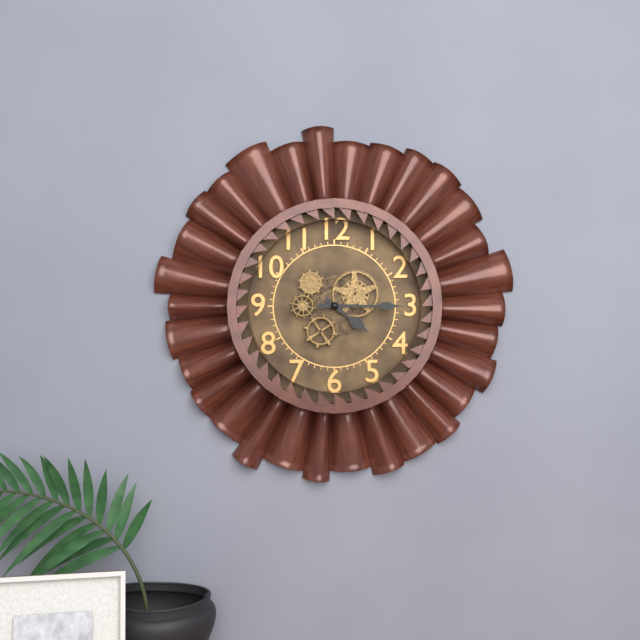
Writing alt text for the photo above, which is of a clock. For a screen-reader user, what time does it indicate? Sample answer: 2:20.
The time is 4:15
